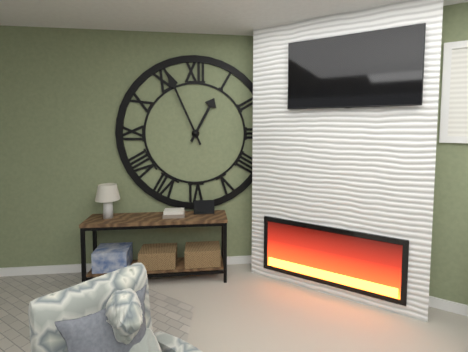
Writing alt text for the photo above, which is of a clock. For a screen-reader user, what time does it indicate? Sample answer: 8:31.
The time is 12:56
